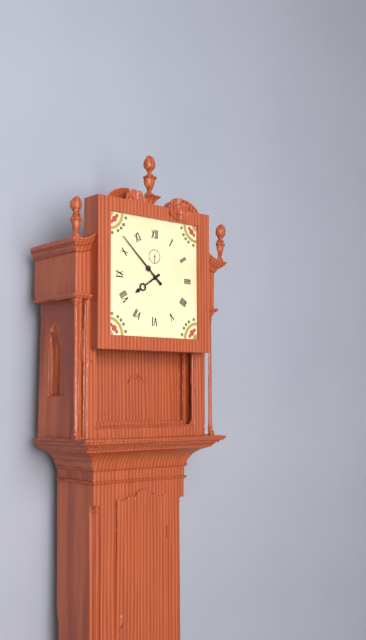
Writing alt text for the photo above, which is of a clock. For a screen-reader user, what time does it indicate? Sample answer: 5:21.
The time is 7:52
